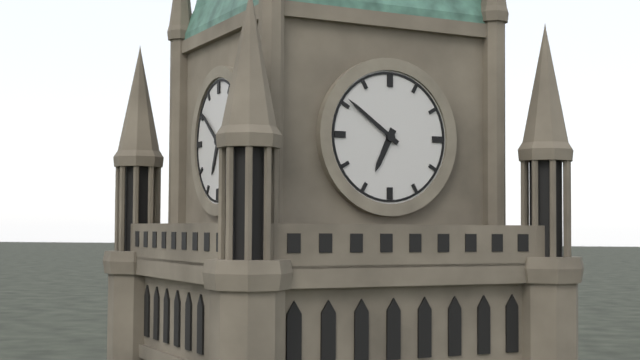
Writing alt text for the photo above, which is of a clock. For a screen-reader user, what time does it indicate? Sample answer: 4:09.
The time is 6:51
